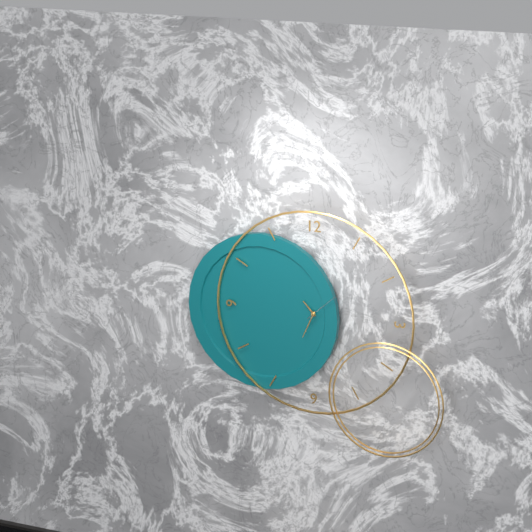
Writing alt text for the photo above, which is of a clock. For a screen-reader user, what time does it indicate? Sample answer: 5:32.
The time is 10:34
